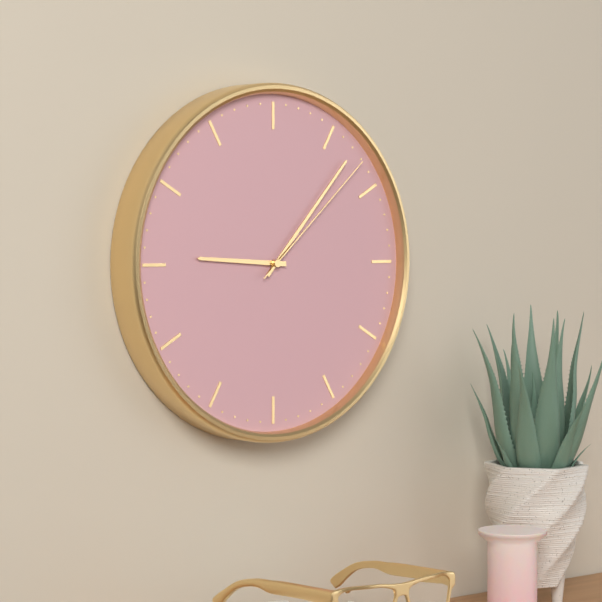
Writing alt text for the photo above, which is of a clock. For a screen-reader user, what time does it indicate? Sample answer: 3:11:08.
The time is 9:07:08
